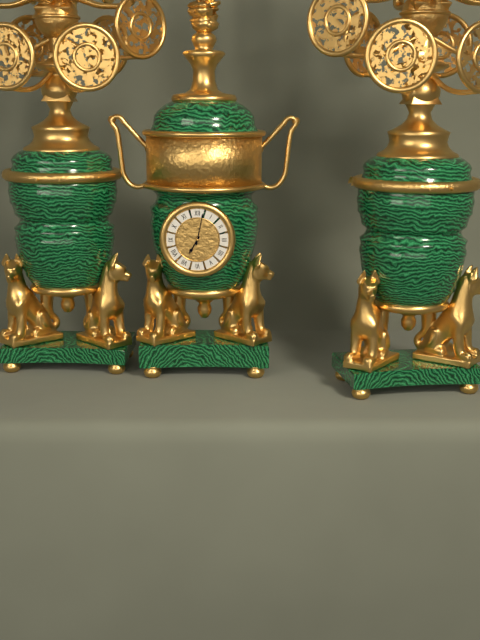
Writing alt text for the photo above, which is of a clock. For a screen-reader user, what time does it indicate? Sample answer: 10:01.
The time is 7:02
